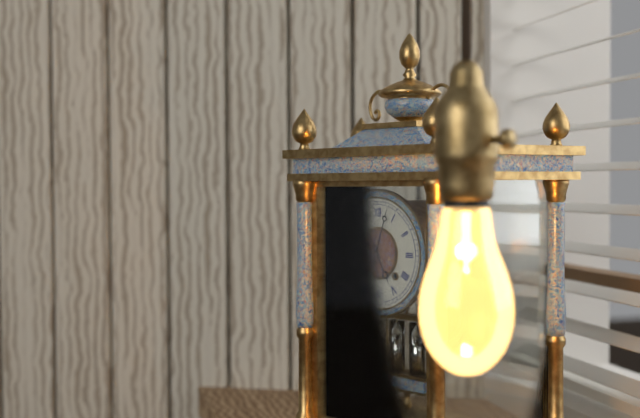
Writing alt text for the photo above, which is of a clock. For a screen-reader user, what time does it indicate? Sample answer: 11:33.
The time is 5:03
